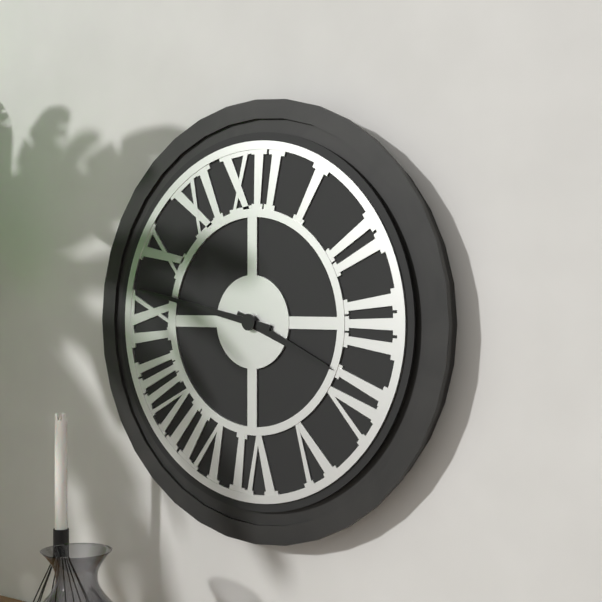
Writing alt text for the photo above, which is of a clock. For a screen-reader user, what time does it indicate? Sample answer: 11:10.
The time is 3:47
